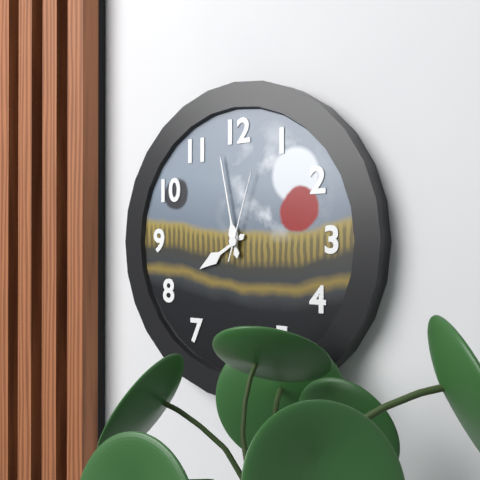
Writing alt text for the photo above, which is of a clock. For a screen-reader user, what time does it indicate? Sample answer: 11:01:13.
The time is 7:58:03
